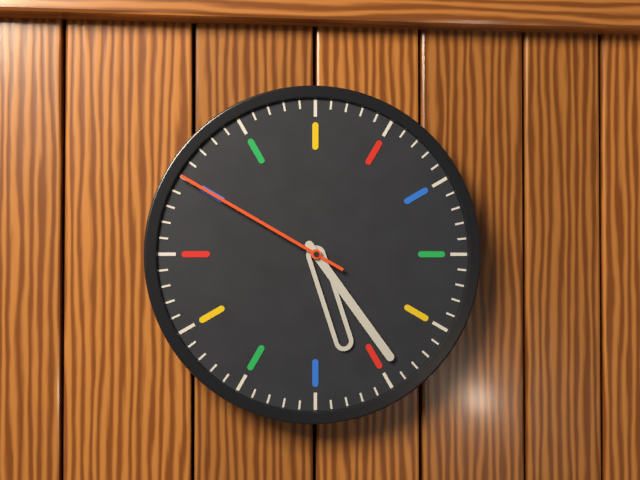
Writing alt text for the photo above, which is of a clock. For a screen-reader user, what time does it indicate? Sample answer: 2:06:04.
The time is 5:24:50
